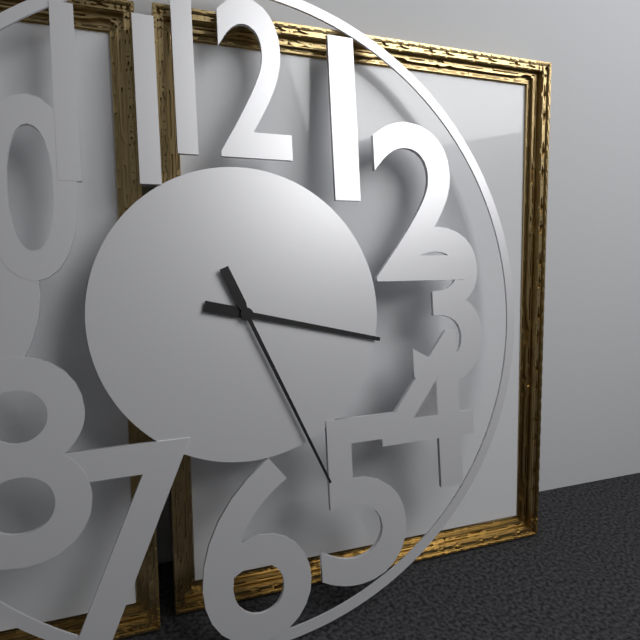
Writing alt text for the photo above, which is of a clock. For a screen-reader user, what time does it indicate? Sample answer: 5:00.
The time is 3:26
